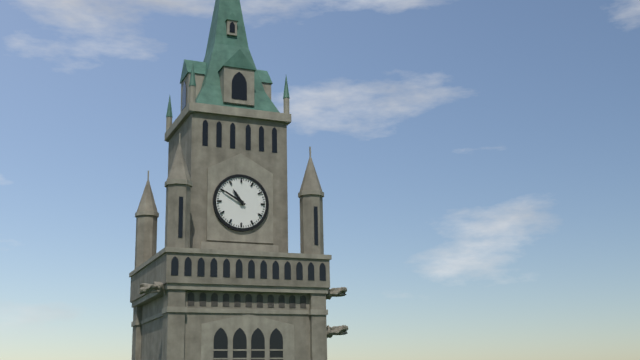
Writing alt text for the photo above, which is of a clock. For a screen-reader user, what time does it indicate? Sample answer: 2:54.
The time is 10:50
